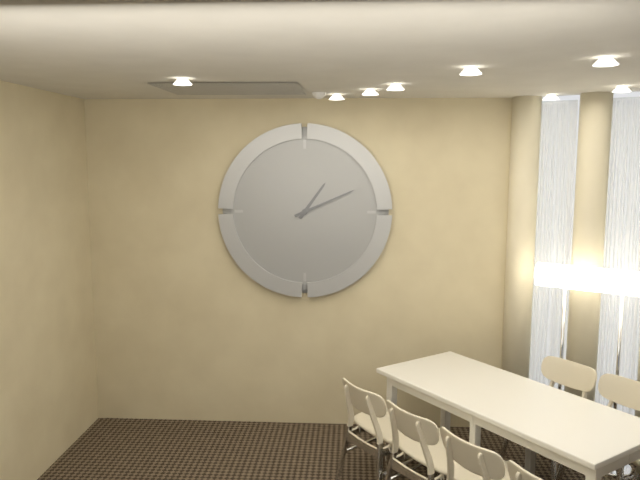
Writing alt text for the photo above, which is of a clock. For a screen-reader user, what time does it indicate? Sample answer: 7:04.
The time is 1:11
